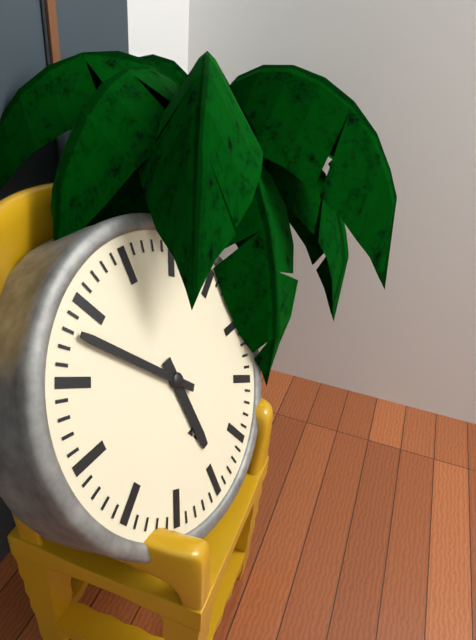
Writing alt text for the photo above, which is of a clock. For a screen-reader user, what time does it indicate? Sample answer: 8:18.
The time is 5:53
